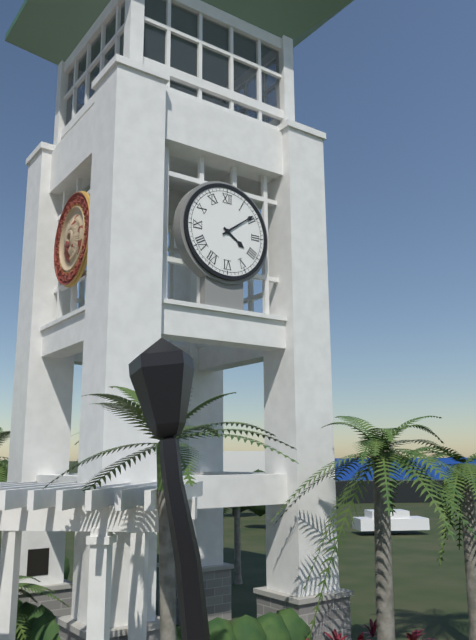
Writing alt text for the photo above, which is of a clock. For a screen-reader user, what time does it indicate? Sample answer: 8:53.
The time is 4:09
